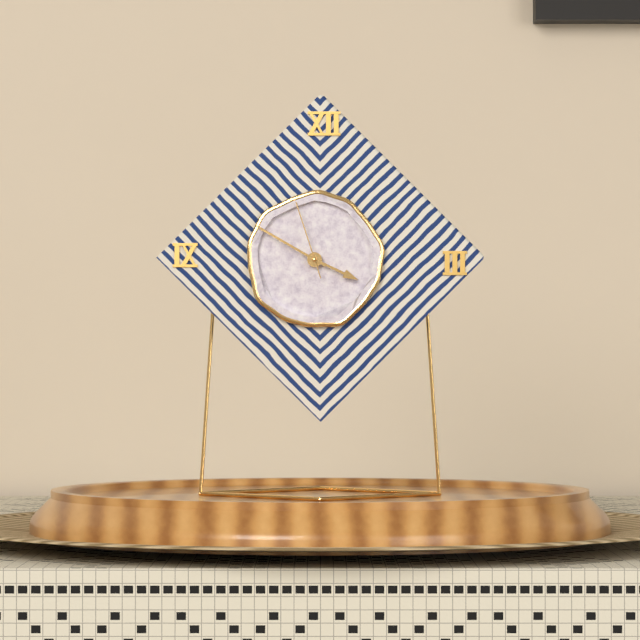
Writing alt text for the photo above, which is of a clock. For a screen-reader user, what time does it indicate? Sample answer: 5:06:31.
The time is 3:50:57
